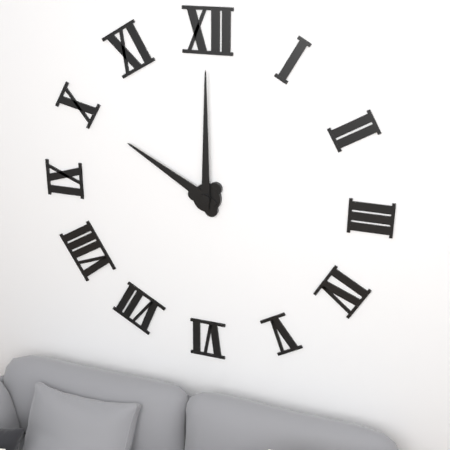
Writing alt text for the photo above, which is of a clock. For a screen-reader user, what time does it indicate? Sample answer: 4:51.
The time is 10:00
